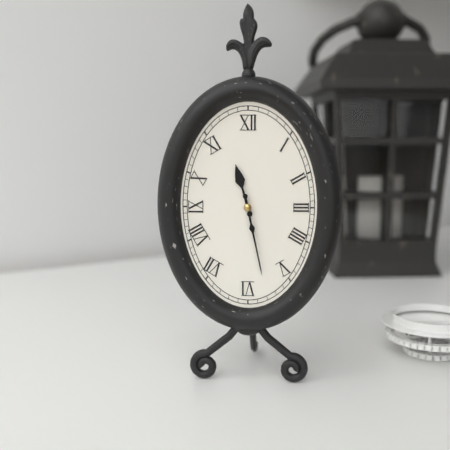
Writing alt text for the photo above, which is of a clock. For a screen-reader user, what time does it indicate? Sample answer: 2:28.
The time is 11:28
